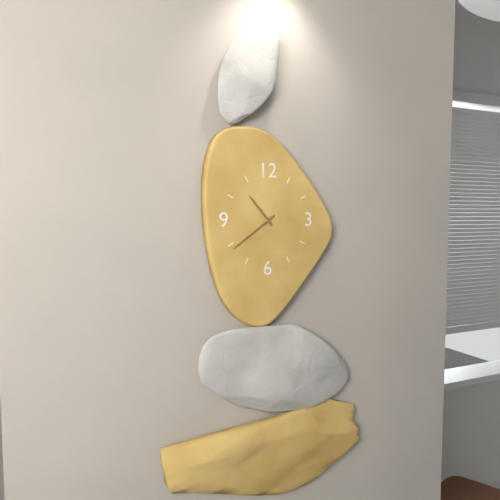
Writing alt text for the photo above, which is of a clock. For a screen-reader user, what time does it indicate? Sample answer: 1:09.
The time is 10:39
